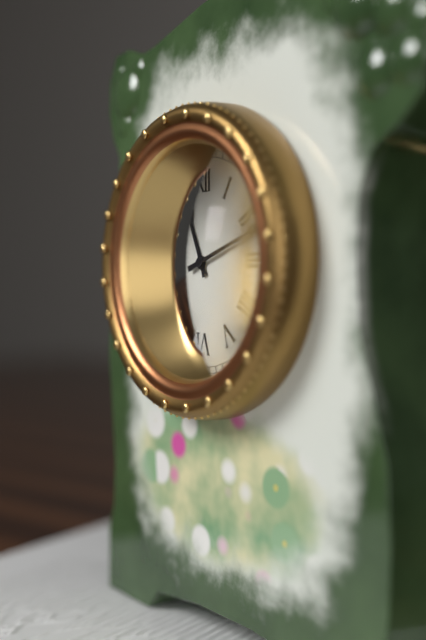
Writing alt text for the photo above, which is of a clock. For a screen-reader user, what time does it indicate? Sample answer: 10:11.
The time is 11:12
